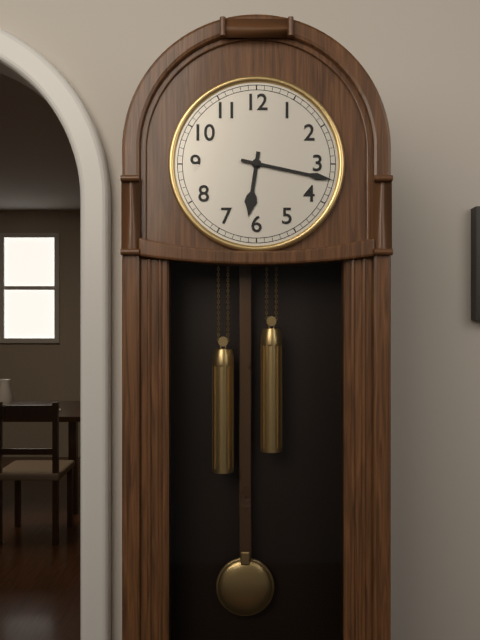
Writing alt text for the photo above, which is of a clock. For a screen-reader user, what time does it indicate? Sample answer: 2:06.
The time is 6:17
